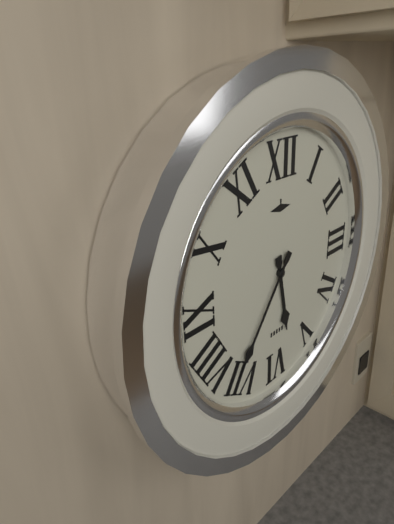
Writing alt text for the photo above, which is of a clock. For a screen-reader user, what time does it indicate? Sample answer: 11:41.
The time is 5:36
